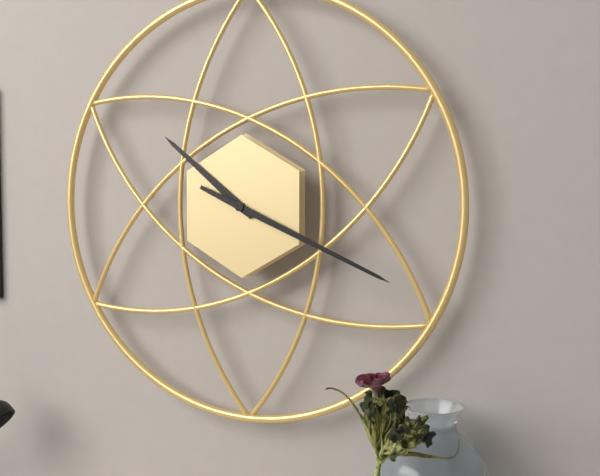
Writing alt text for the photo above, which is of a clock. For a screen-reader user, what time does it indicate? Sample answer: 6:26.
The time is 10:19
